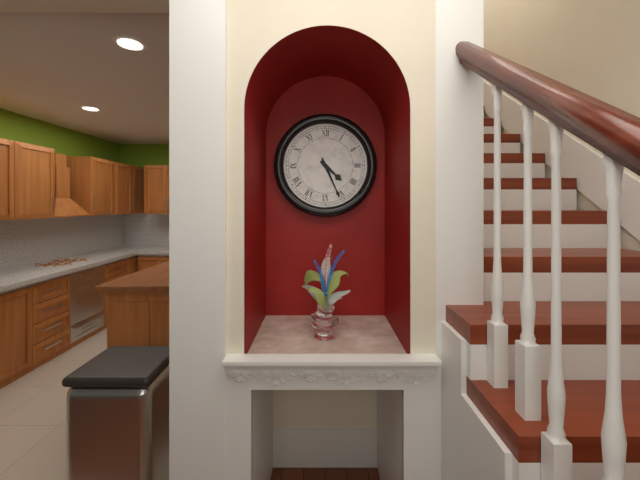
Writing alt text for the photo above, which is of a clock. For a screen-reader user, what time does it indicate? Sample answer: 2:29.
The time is 4:26
